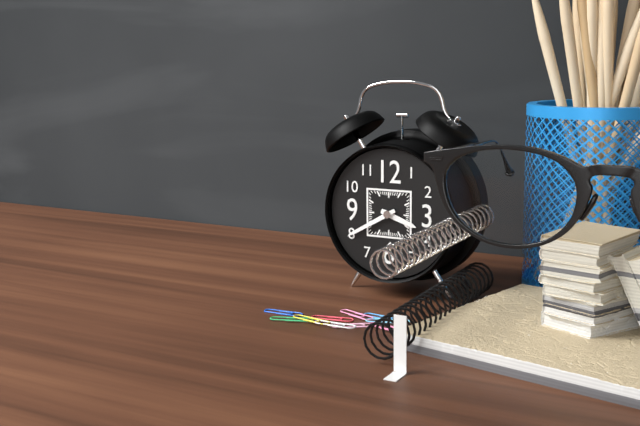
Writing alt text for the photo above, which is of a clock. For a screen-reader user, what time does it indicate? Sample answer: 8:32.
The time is 3:40
